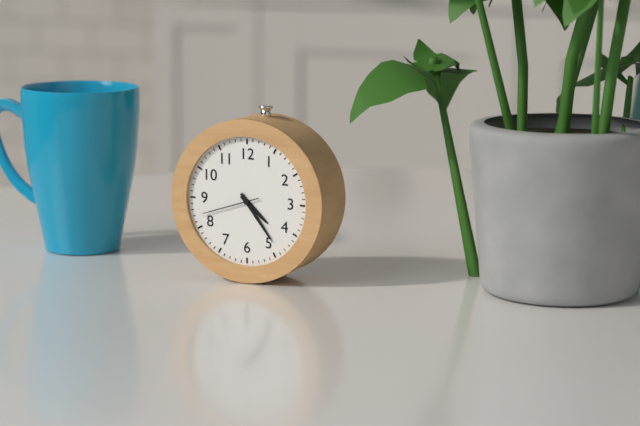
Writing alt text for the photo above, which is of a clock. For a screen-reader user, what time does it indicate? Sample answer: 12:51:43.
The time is 4:24:42
